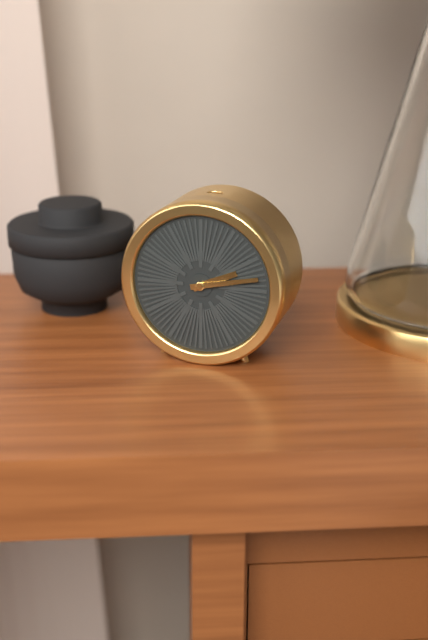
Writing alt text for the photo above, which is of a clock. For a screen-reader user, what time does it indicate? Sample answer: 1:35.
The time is 2:13
